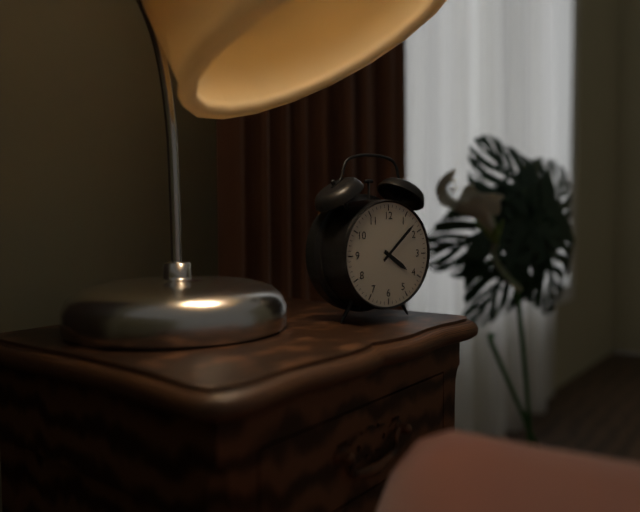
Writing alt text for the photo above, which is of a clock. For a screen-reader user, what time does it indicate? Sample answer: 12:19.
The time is 4:08
